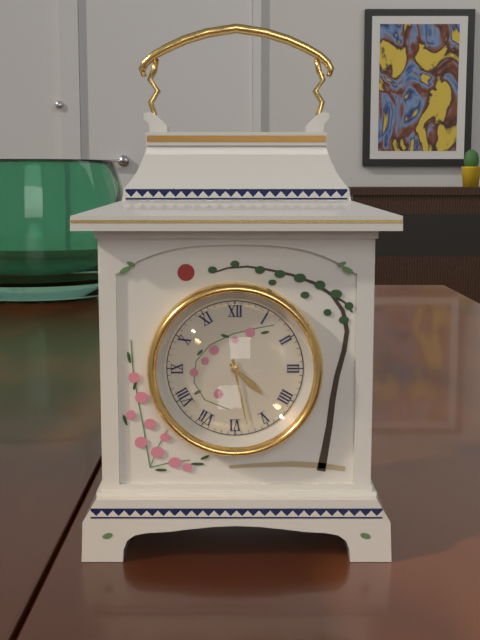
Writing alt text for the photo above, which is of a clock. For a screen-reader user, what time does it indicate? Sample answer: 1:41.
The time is 4:28
